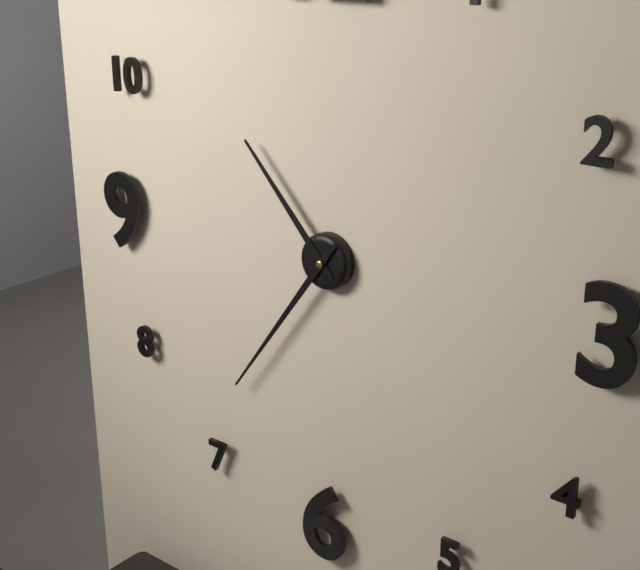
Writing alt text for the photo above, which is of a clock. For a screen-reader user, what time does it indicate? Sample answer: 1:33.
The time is 10:36
